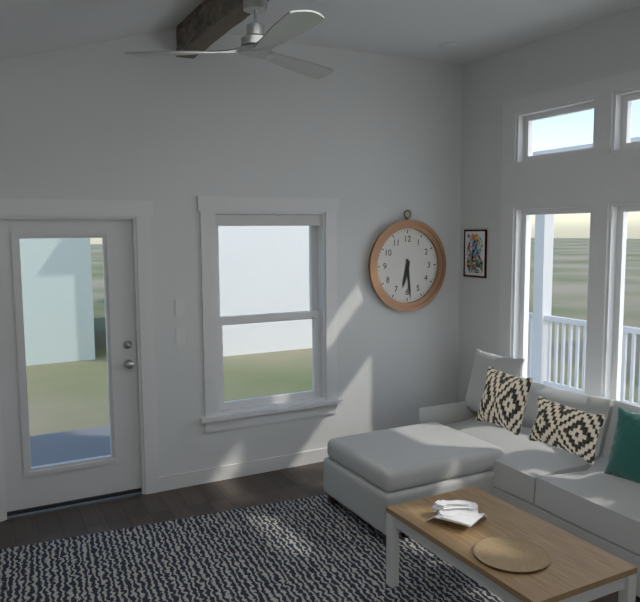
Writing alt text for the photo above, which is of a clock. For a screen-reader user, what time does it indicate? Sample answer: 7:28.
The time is 6:29
